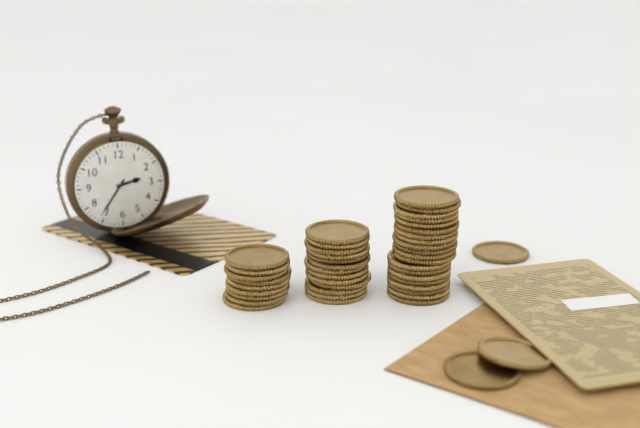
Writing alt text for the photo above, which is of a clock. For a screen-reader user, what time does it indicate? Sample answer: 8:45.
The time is 2:36
